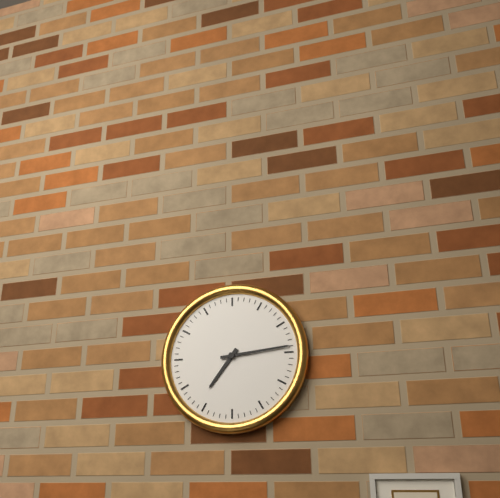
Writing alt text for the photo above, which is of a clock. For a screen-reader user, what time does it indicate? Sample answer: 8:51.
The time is 7:14
